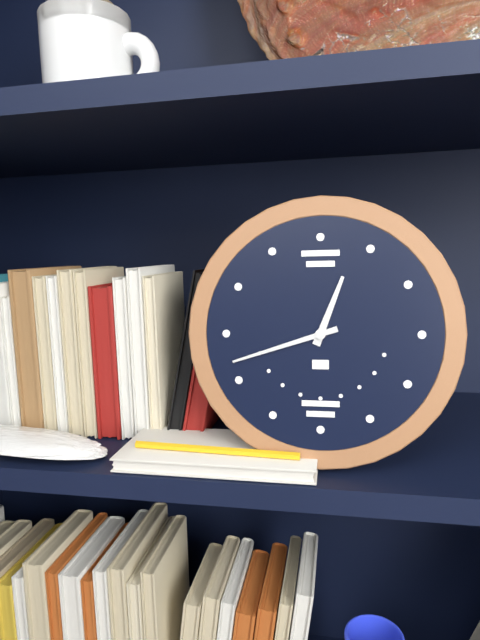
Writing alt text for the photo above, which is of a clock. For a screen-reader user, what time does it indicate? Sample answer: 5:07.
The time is 12:42
